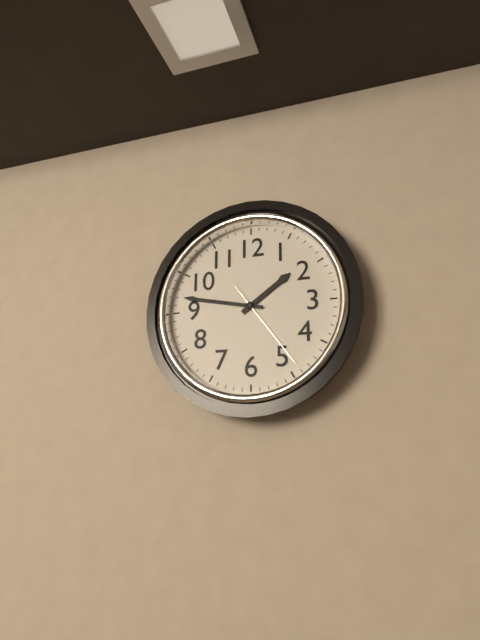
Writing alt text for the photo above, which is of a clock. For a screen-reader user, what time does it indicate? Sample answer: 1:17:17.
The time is 1:47:24
